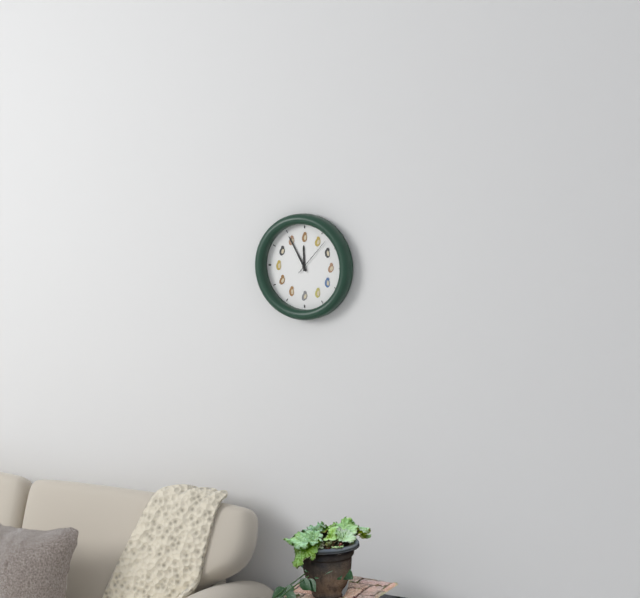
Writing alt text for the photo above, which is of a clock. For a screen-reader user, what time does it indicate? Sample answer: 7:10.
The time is 11:55
